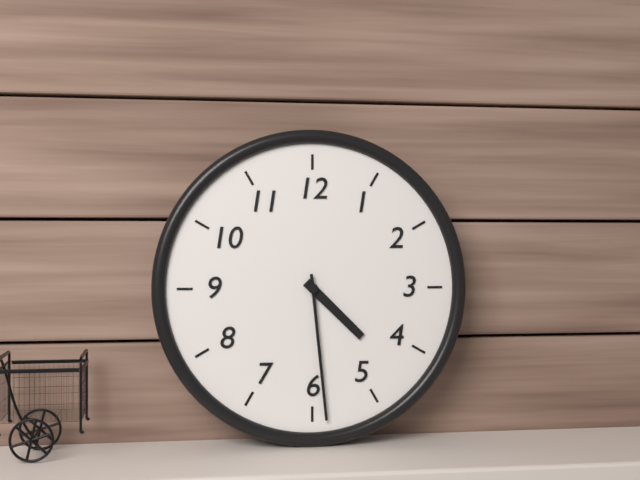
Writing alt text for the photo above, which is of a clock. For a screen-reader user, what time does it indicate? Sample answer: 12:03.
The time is 4:29
